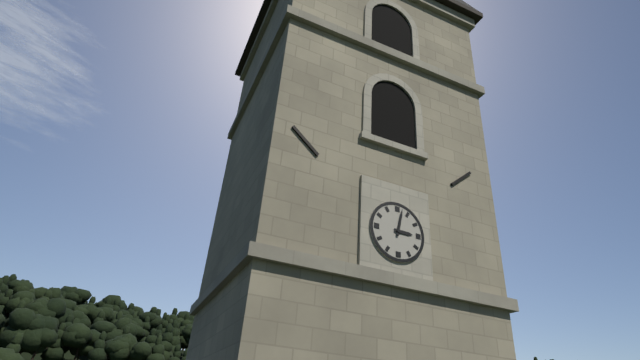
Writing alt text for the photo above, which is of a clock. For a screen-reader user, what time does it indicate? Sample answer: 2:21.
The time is 3:02
